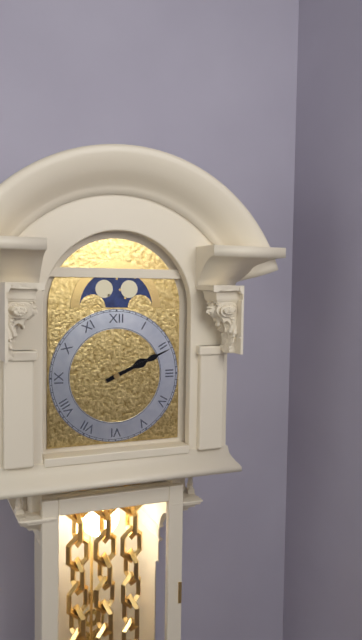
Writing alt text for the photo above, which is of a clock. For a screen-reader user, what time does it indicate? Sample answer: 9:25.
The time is 2:11
